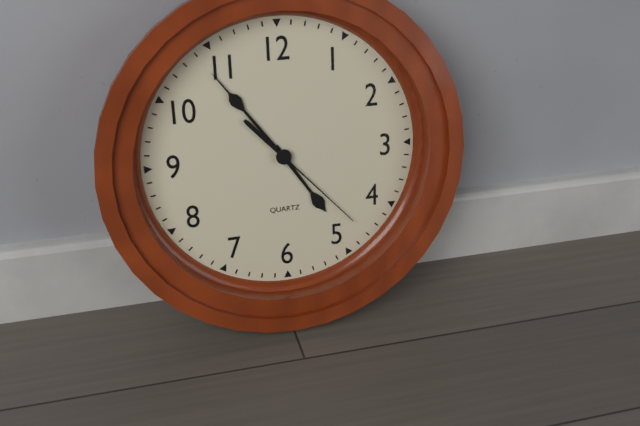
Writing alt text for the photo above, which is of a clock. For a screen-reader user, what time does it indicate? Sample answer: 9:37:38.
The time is 4:54:23
